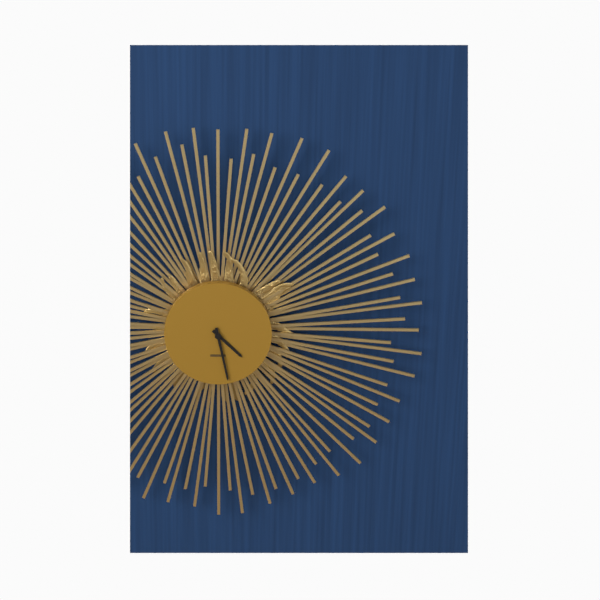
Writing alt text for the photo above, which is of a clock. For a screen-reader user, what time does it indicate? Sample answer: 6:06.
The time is 4:28
